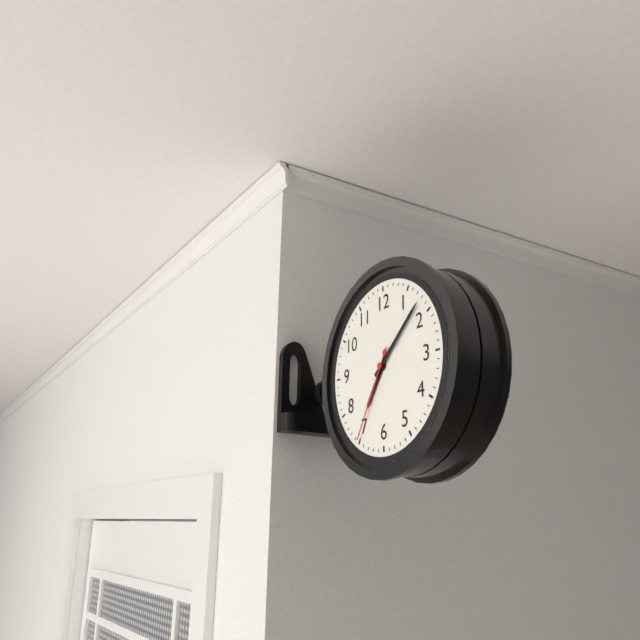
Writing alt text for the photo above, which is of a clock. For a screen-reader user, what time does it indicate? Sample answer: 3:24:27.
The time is 7:08:35
